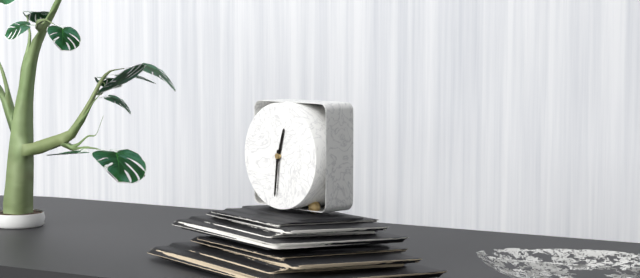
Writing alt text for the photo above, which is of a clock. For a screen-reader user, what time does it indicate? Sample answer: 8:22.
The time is 12:31
